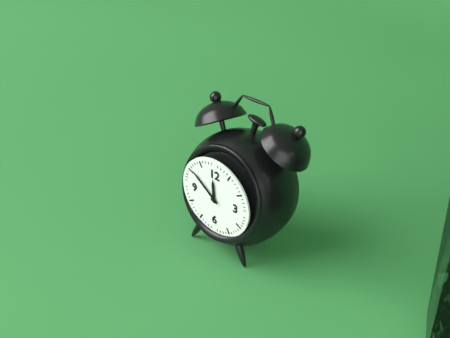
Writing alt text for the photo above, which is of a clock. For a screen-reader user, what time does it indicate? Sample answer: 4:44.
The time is 11:51
